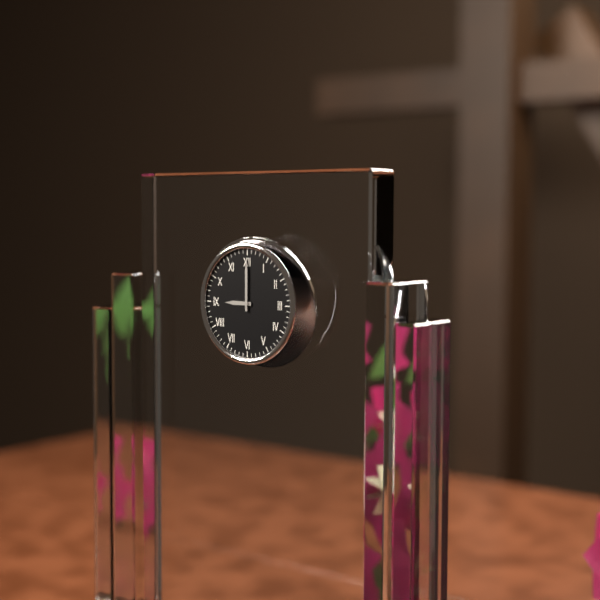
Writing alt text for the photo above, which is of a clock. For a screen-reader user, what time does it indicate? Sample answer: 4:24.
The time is 9:00
